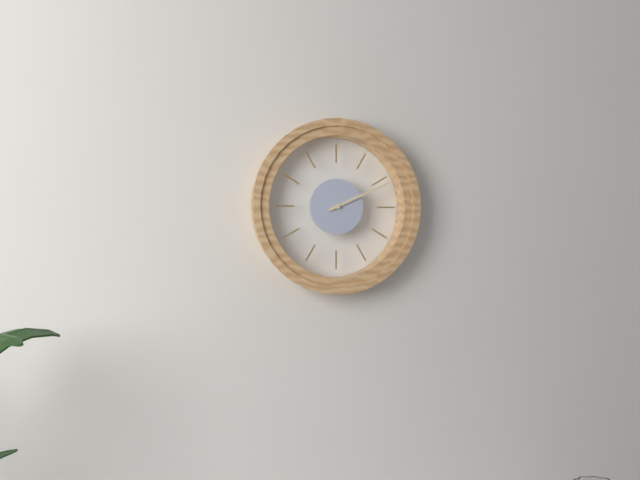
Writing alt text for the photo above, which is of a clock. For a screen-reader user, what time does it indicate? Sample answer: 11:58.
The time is 2:11
